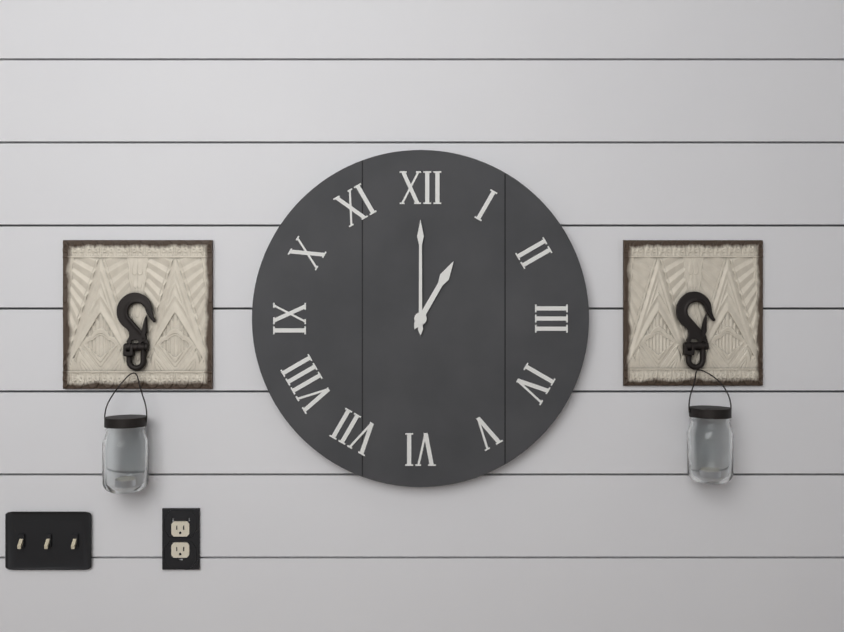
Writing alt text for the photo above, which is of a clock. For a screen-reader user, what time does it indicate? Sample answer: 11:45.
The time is 1:00
